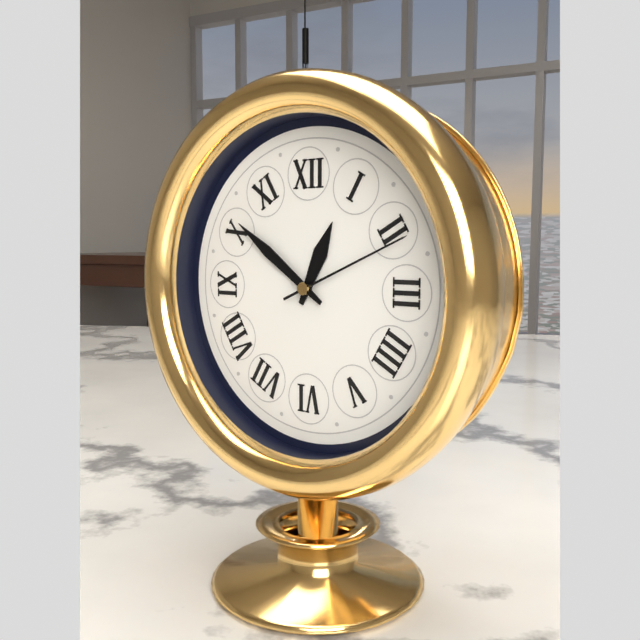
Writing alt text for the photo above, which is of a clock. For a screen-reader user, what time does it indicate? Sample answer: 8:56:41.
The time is 12:51:11
